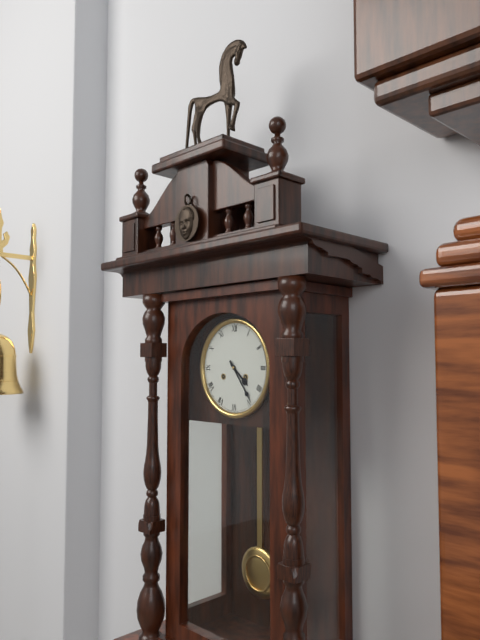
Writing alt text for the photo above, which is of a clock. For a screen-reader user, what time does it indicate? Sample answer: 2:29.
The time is 4:24
